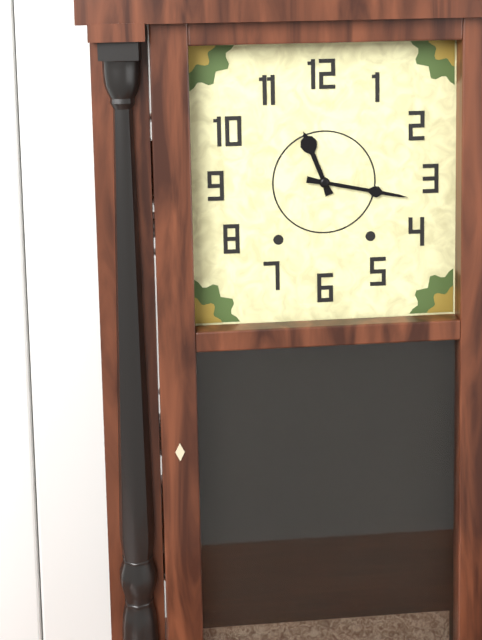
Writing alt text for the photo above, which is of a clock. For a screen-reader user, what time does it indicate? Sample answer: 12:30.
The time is 11:17
